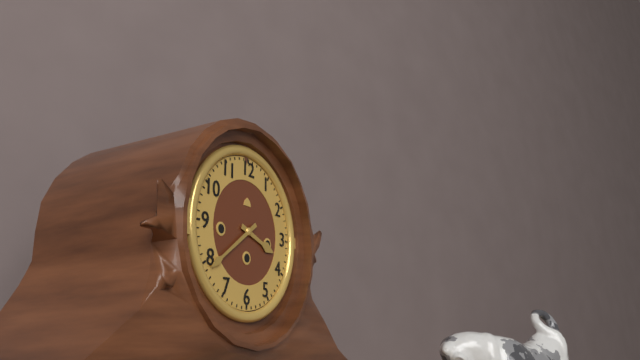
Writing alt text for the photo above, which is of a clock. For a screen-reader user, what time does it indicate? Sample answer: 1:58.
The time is 3:39
